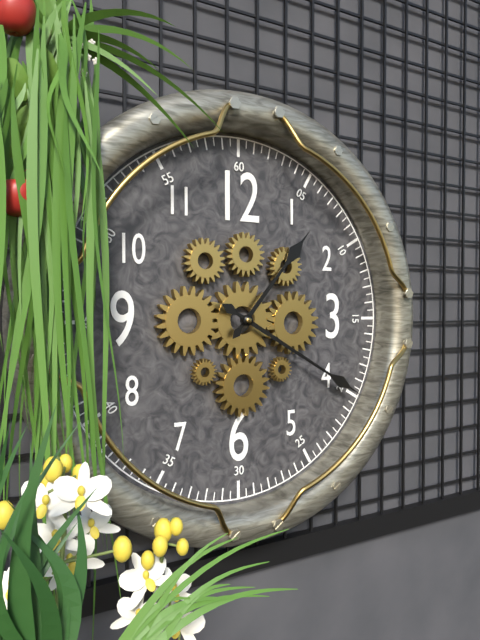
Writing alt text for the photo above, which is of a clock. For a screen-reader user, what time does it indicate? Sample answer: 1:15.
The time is 1:20
